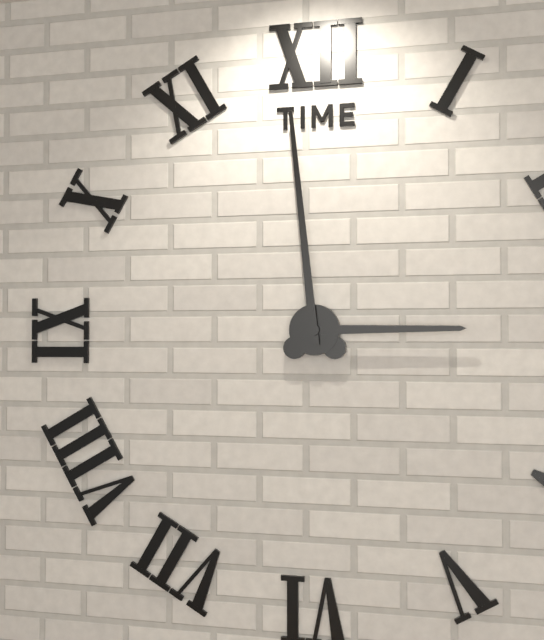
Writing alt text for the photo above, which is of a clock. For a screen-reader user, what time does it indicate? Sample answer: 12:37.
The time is 2:59
